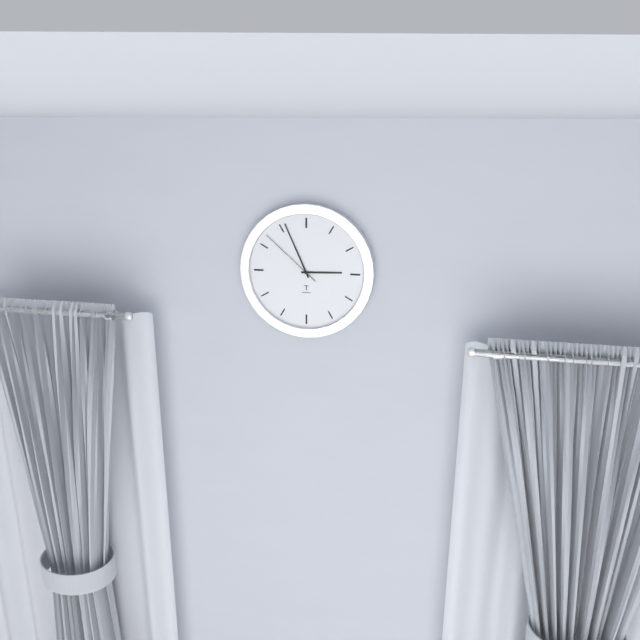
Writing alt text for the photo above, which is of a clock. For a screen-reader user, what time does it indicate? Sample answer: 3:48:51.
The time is 2:56:52
